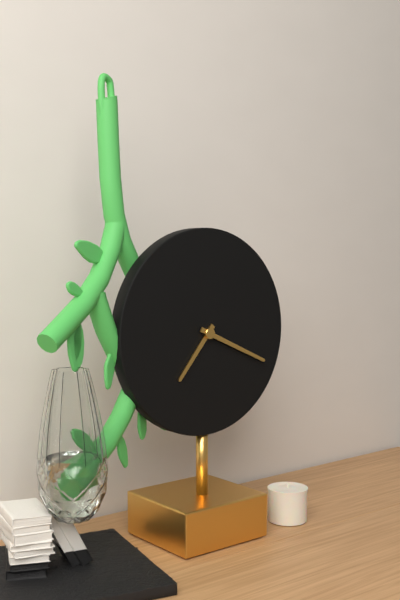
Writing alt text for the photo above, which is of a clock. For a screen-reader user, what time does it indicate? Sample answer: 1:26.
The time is 7:19
